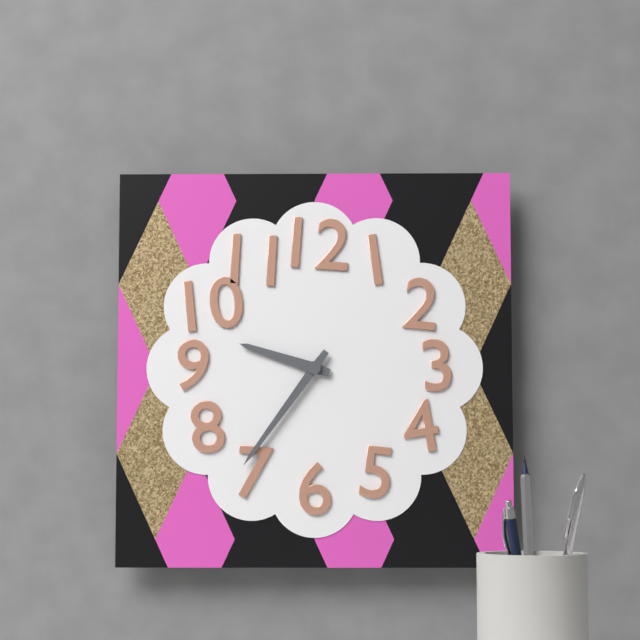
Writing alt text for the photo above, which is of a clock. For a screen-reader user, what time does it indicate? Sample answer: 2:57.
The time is 9:36
